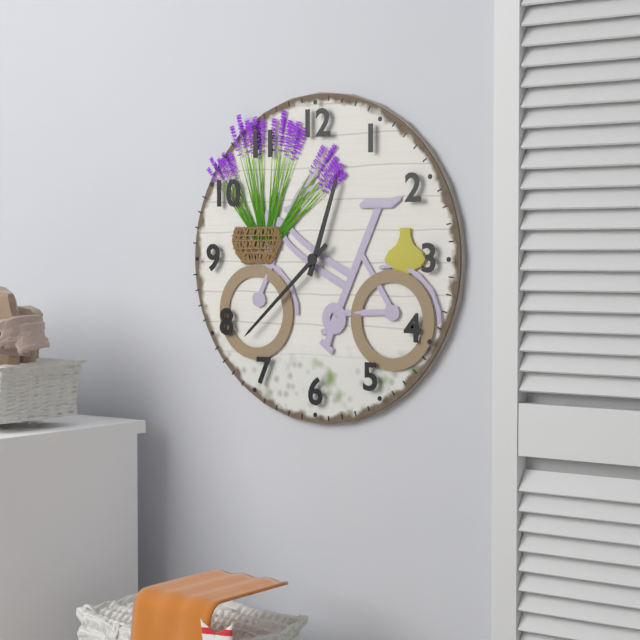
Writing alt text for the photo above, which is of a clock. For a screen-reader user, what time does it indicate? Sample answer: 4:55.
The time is 12:38
